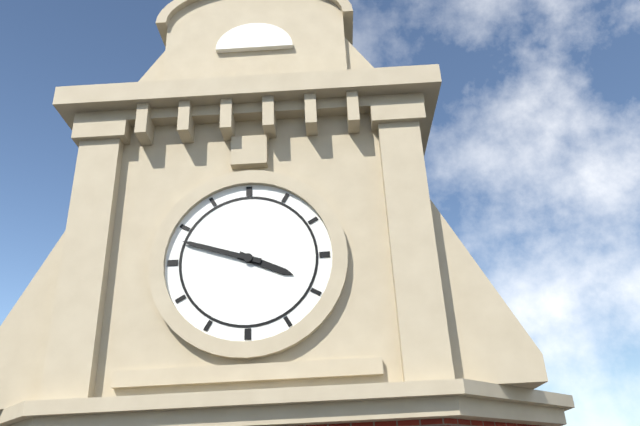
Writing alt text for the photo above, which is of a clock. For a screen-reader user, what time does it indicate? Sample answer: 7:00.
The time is 3:48
